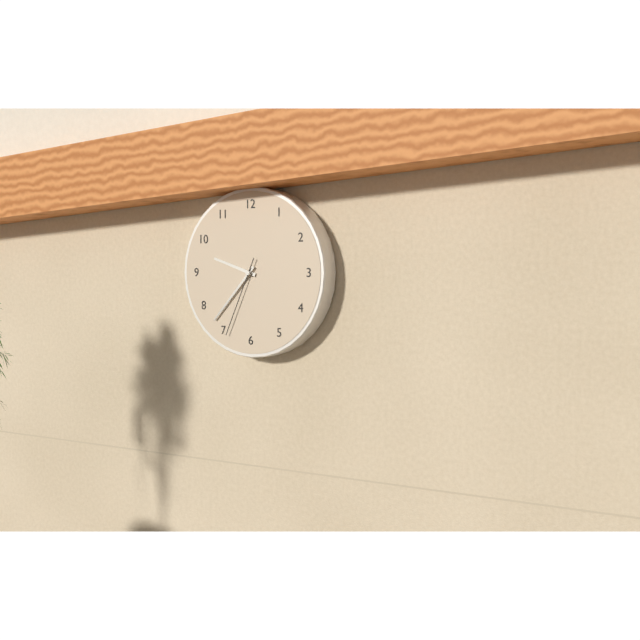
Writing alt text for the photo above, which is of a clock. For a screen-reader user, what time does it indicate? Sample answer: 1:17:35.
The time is 9:37:34
